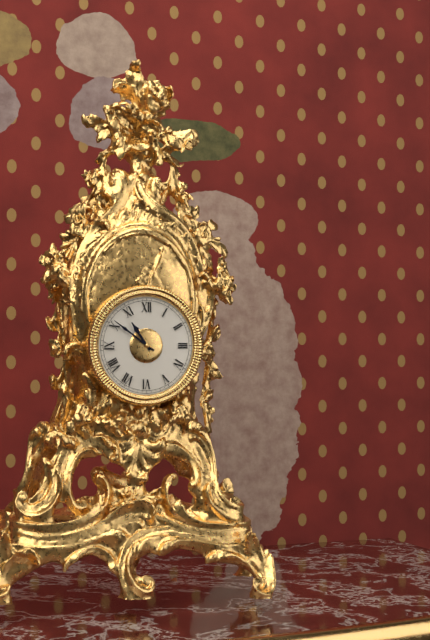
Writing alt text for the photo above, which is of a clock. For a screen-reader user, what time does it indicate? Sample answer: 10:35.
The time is 10:51
